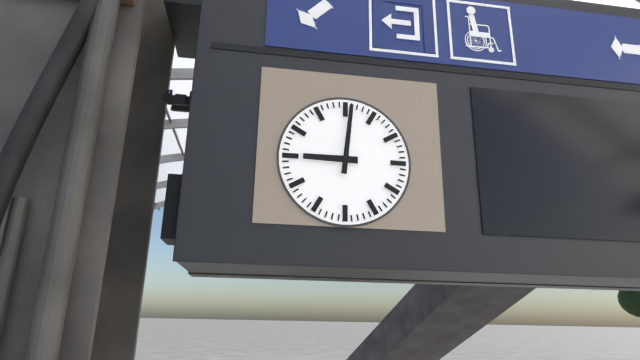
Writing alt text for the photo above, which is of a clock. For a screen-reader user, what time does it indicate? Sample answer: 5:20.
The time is 9:01
